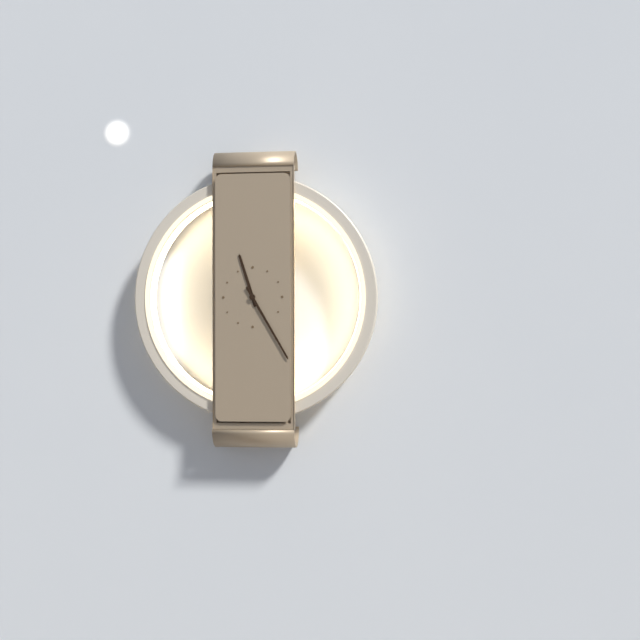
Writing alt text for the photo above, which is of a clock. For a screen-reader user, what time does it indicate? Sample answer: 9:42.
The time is 11:25
